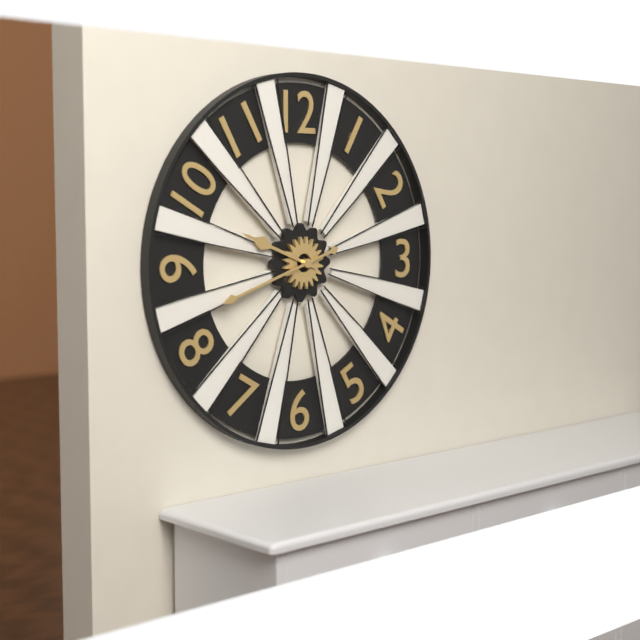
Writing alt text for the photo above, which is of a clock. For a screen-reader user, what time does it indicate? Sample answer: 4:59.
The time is 9:42
